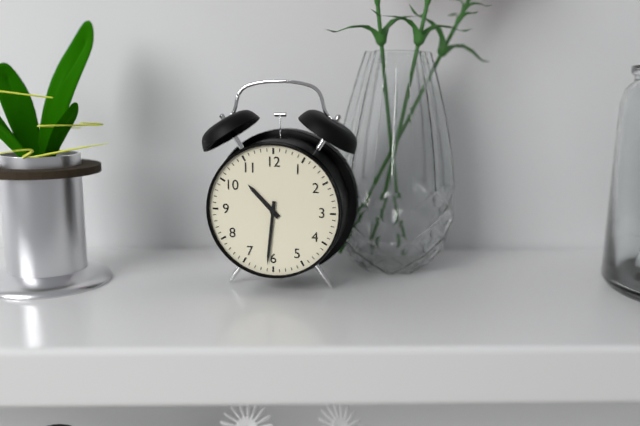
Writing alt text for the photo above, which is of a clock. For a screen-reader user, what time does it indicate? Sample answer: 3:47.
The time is 10:31
